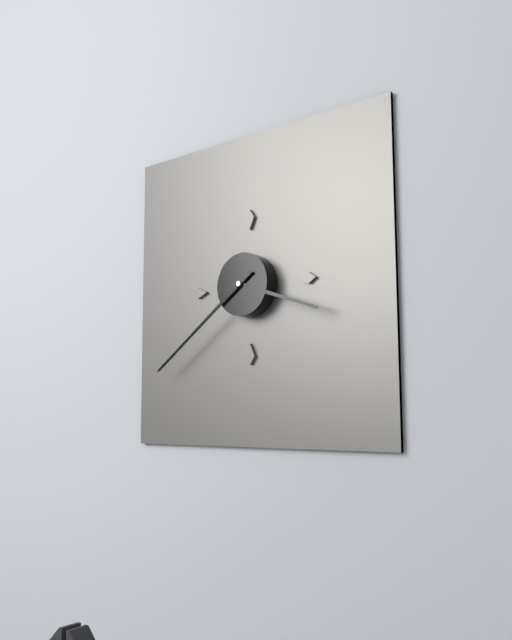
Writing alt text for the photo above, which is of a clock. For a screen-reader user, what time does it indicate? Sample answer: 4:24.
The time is 3:39
